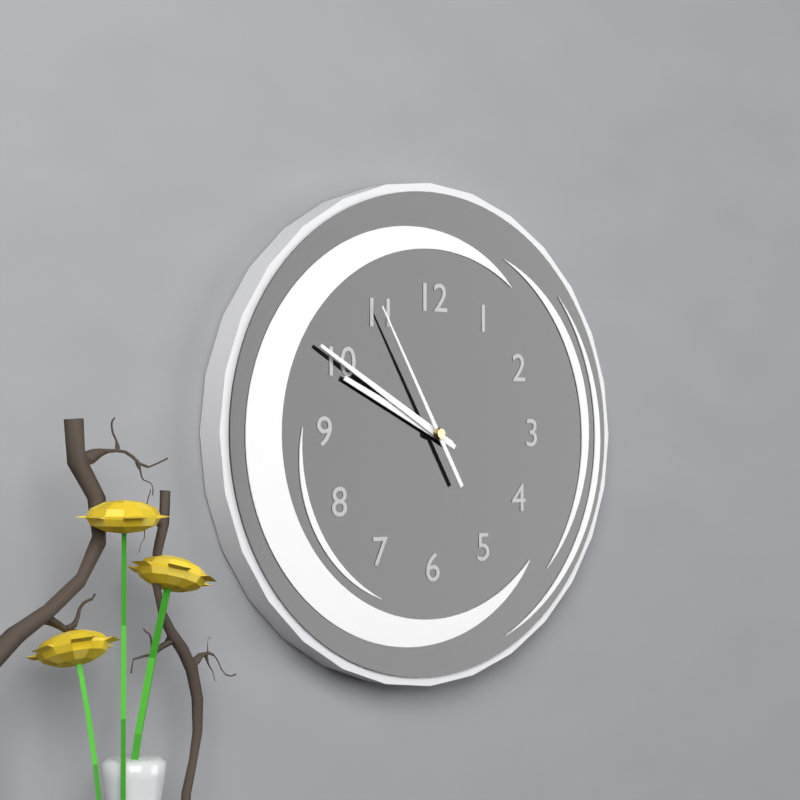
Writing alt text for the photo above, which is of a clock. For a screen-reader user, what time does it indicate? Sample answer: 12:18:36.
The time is 9:50:55
